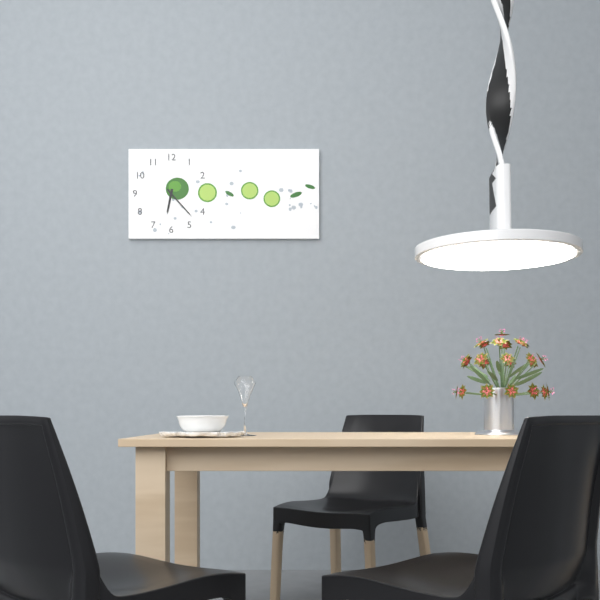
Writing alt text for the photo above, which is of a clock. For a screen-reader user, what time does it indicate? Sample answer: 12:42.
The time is 6:23
